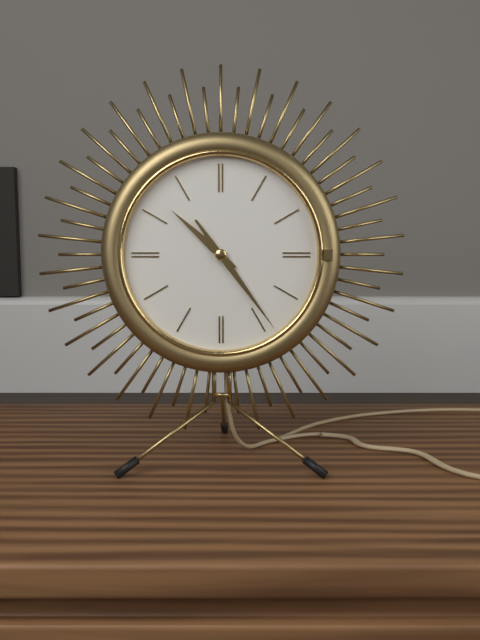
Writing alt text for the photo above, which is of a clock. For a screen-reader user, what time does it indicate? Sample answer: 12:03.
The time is 10:24
